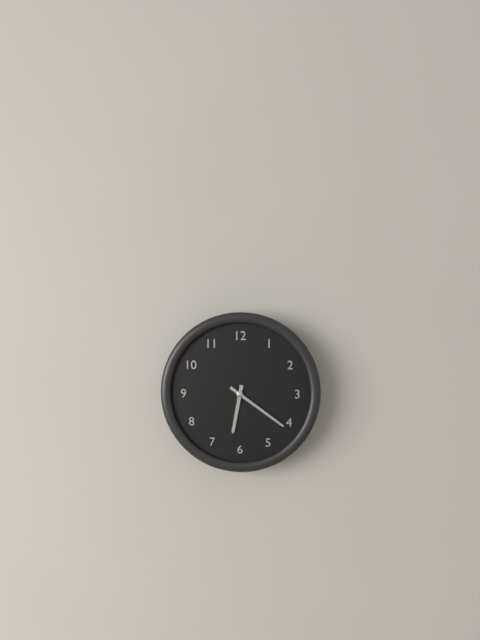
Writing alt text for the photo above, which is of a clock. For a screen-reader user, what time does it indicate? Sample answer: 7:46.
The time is 6:21
